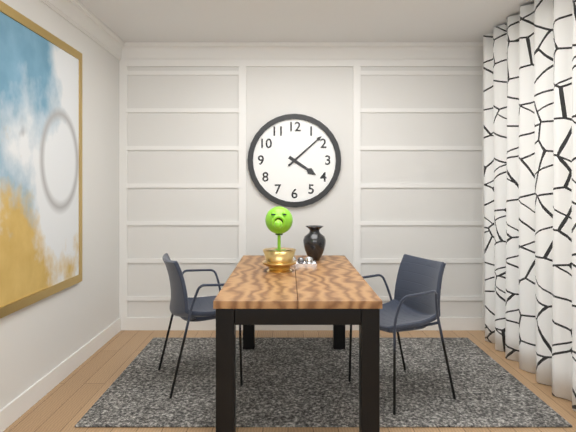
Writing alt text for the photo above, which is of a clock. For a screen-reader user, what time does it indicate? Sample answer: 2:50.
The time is 4:08
